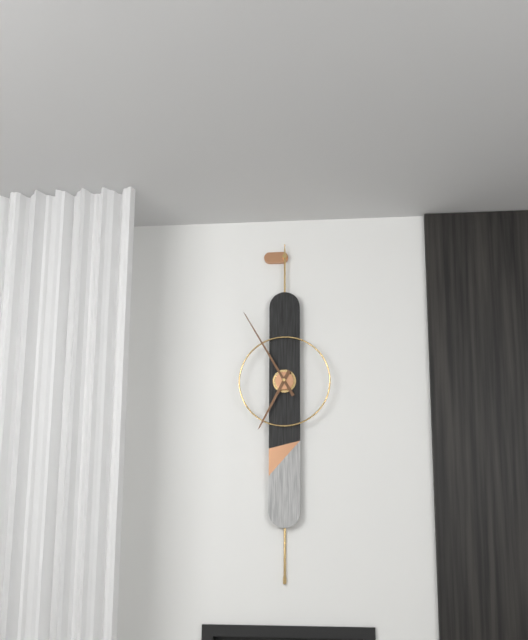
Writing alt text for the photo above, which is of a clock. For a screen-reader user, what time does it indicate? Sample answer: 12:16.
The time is 6:55
